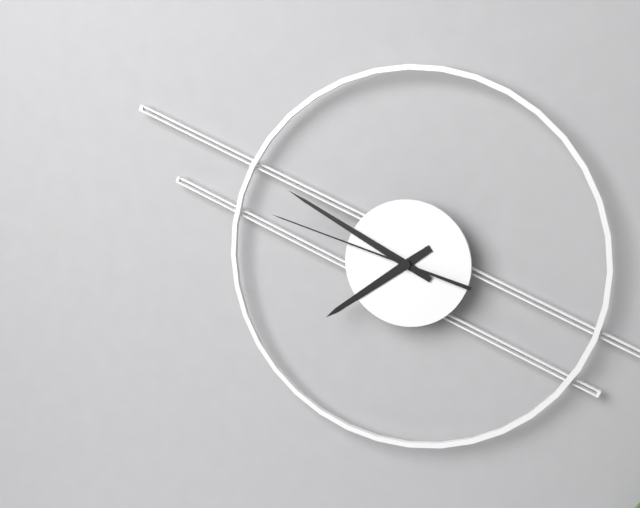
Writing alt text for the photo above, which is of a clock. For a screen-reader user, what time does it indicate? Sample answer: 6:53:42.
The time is 7:50:48
